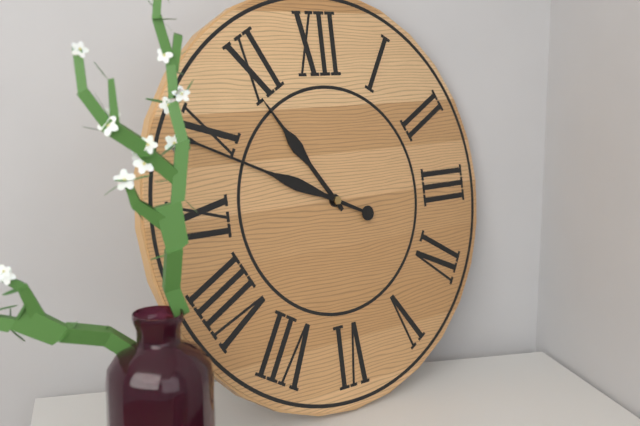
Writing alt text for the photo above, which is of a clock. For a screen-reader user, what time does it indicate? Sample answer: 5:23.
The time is 10:49
